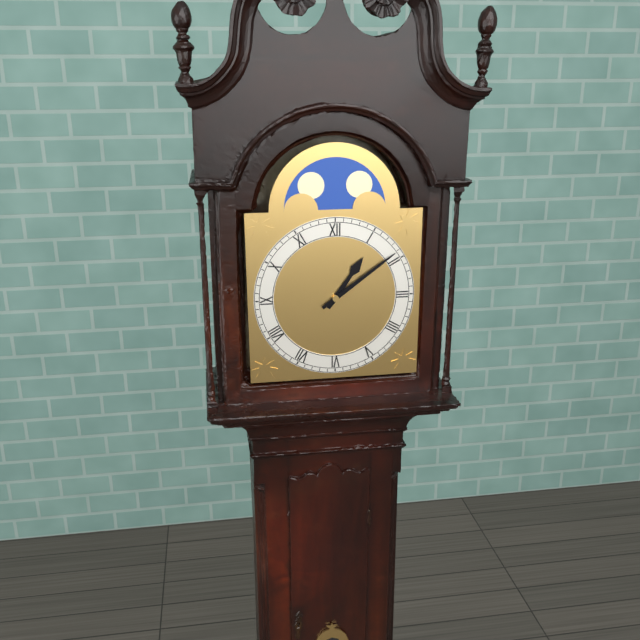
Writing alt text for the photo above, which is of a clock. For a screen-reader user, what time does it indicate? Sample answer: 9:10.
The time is 1:09
